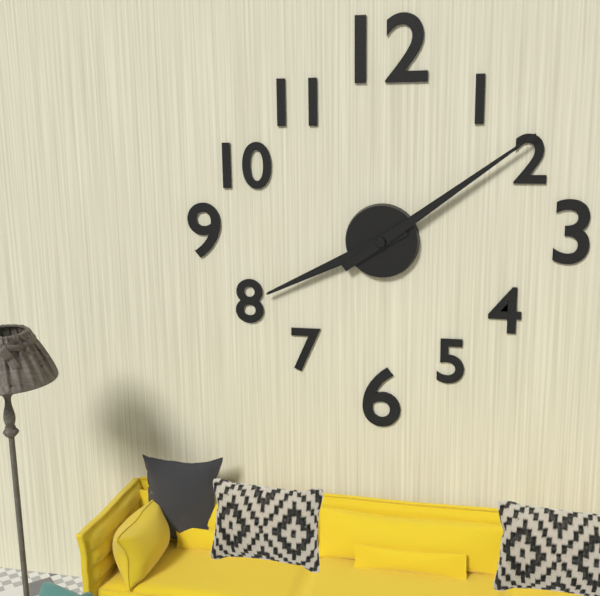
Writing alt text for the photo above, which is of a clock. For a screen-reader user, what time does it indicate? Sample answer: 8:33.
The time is 8:09
